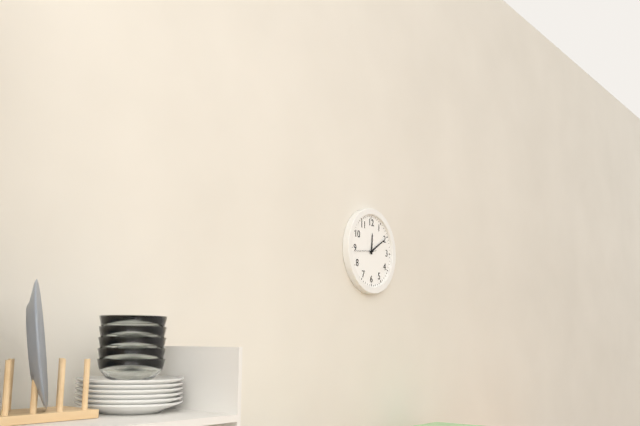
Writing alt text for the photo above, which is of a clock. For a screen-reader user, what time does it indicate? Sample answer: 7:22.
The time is 12:10
